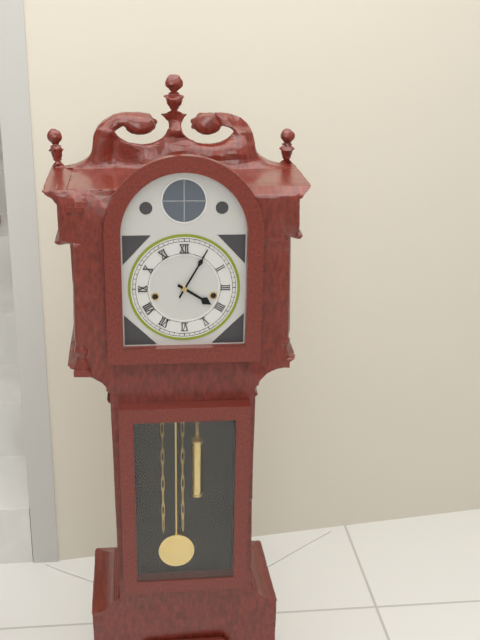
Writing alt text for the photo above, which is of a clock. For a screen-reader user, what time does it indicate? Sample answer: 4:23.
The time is 4:05
